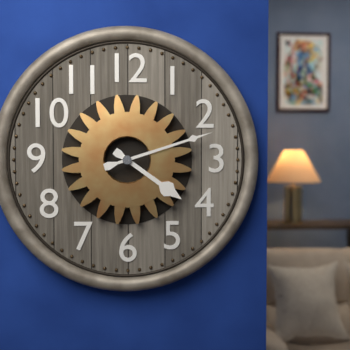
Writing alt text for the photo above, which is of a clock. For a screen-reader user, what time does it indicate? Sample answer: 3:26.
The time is 4:12
